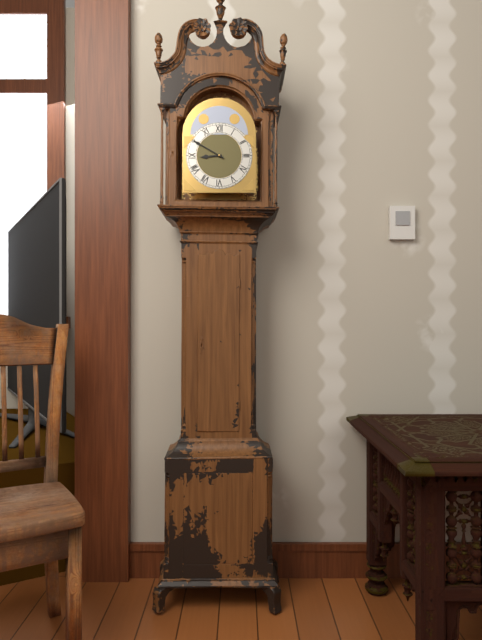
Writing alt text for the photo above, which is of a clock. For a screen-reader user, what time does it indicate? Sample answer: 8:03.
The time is 8:50
